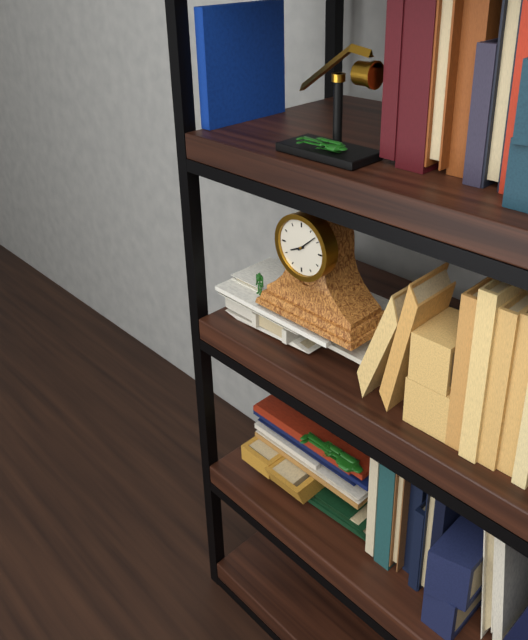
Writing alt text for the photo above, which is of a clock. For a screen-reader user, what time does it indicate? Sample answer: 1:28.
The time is 8:08
